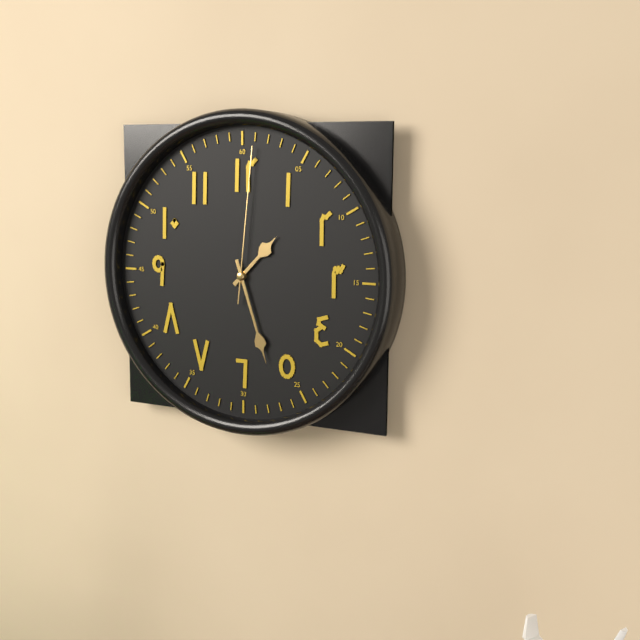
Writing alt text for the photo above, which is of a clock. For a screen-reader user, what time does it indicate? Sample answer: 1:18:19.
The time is 1:27:01
